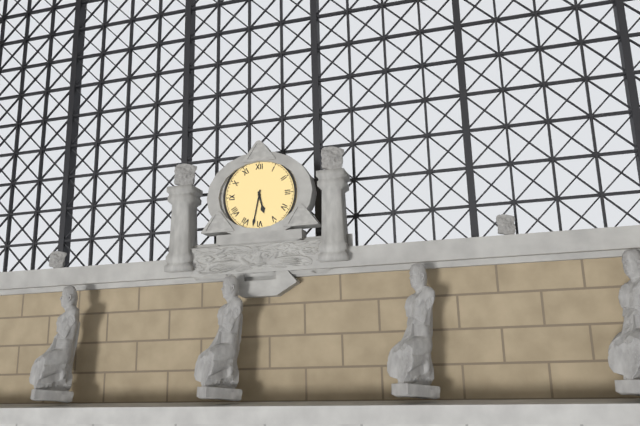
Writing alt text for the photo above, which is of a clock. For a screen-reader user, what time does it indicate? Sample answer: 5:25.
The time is 5:32
